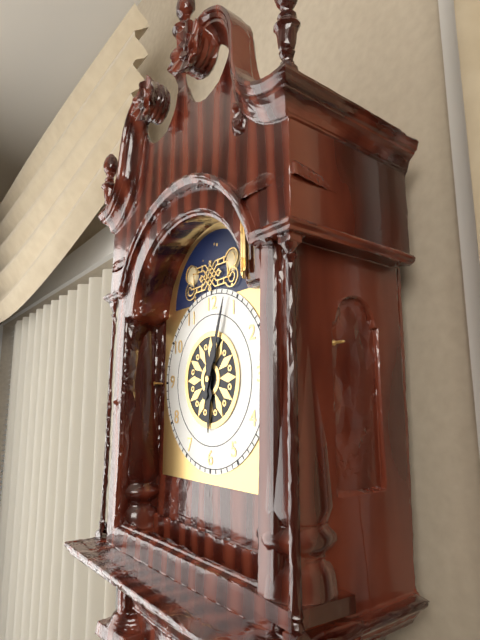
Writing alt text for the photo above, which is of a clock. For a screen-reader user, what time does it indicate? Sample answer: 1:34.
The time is 6:03
